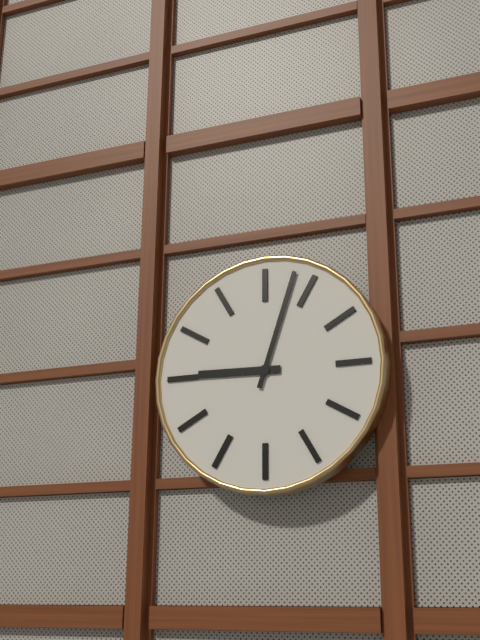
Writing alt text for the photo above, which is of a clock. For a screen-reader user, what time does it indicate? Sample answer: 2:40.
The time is 9:03
